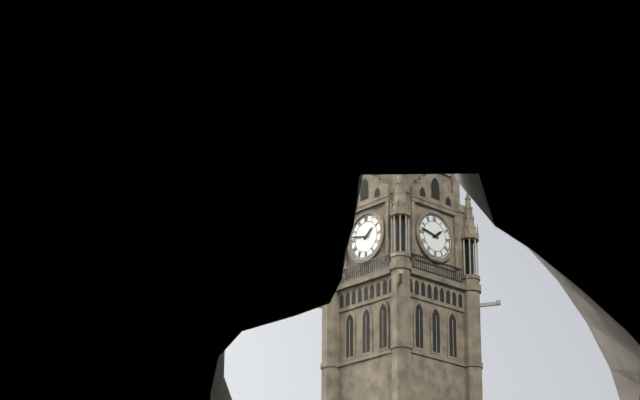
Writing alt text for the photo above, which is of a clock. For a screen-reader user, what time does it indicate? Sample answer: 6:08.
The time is 1:47
